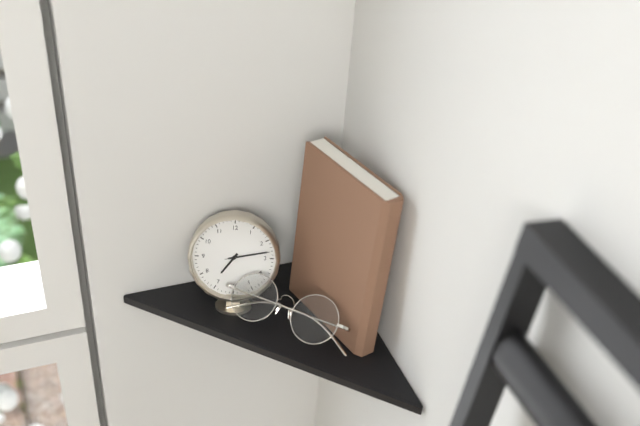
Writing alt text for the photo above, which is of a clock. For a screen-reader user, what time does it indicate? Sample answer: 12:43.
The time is 7:13
